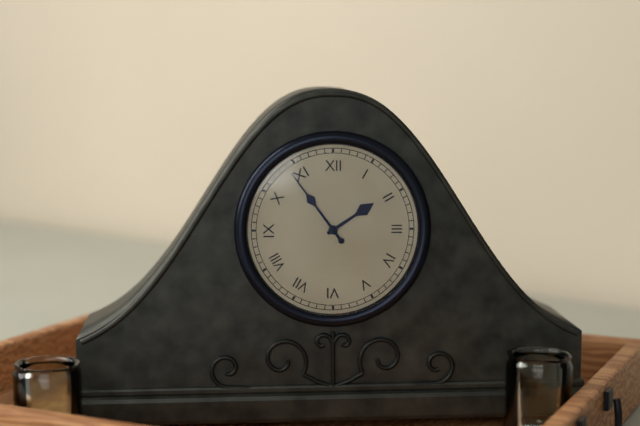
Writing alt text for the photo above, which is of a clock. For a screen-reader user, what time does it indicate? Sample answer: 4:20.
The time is 1:54
